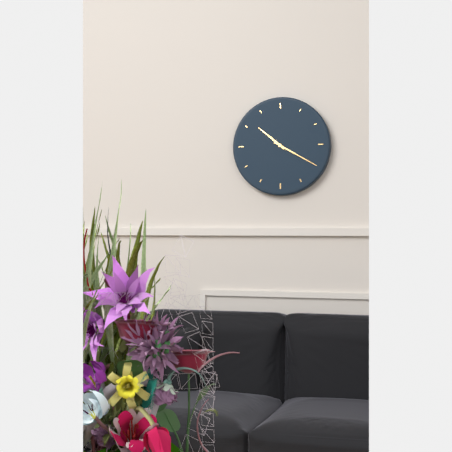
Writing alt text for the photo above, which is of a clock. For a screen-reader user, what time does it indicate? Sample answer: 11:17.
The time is 10:20
